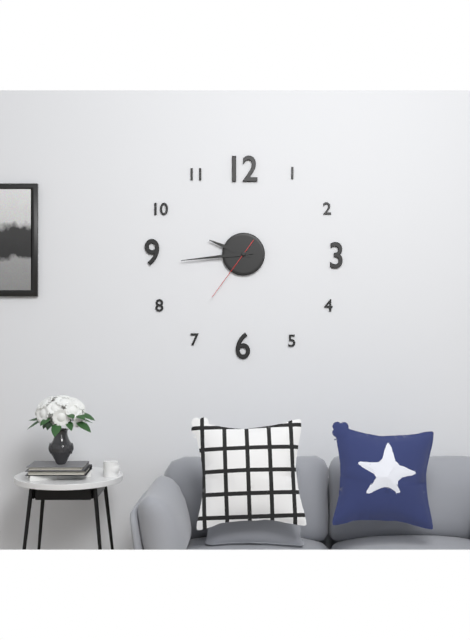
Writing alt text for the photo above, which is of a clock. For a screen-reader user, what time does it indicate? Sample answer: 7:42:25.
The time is 9:44:36
